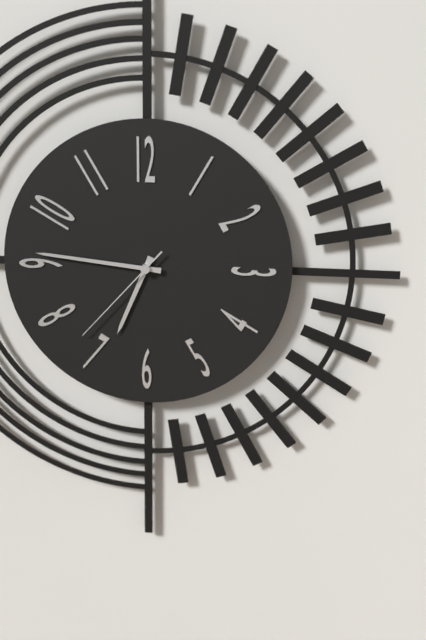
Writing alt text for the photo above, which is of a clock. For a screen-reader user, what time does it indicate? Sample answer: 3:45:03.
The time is 6:46:37
